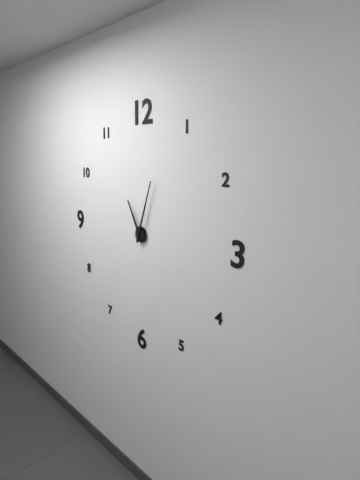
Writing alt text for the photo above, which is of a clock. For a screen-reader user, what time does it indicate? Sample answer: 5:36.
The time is 11:03
